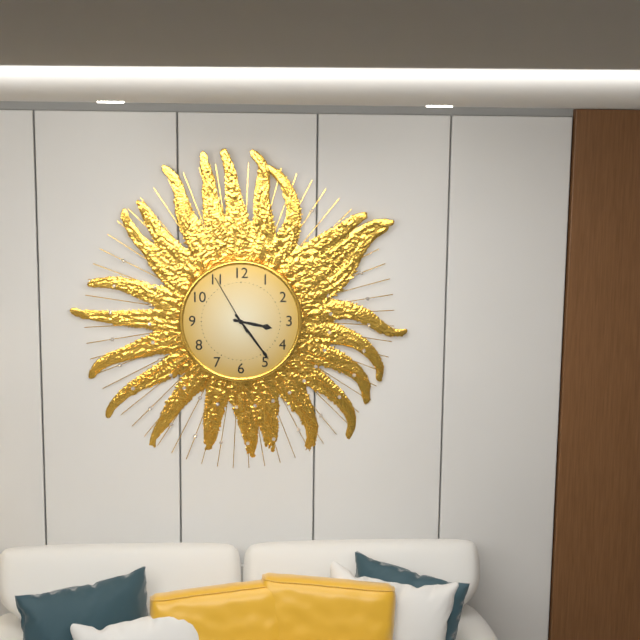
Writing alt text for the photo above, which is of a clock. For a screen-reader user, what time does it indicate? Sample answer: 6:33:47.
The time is 3:24:55
